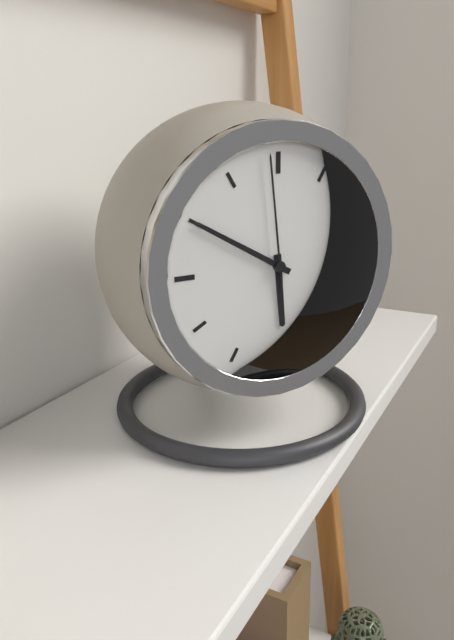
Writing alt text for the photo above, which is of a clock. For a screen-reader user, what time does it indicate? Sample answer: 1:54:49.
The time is 5:50:59
